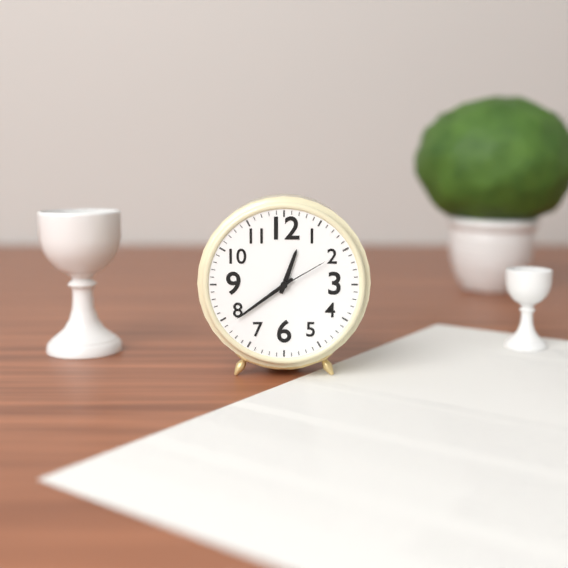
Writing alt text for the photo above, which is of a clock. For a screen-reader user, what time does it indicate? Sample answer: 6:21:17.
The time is 12:39:10
